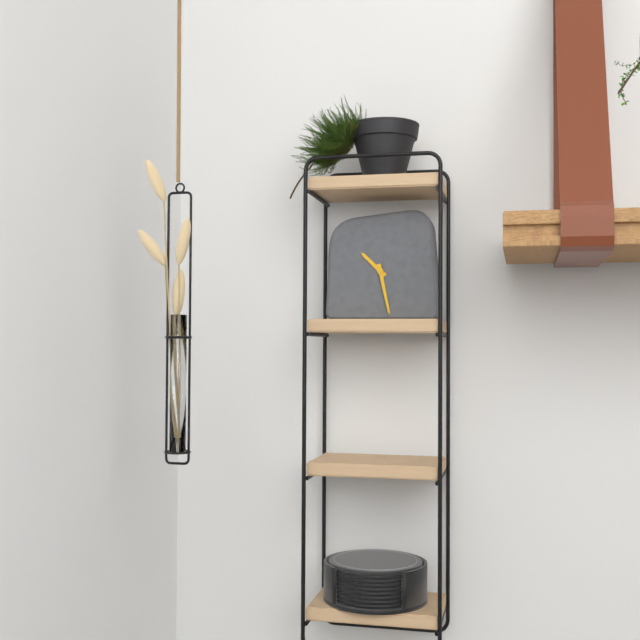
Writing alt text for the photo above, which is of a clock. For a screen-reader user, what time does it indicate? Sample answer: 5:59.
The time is 10:28
